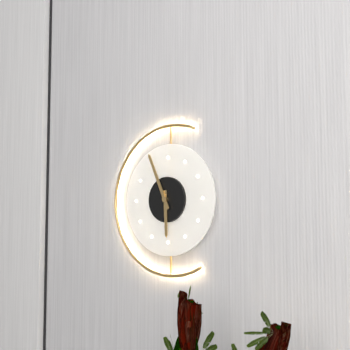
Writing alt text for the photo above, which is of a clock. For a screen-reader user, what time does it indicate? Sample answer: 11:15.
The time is 5:56
